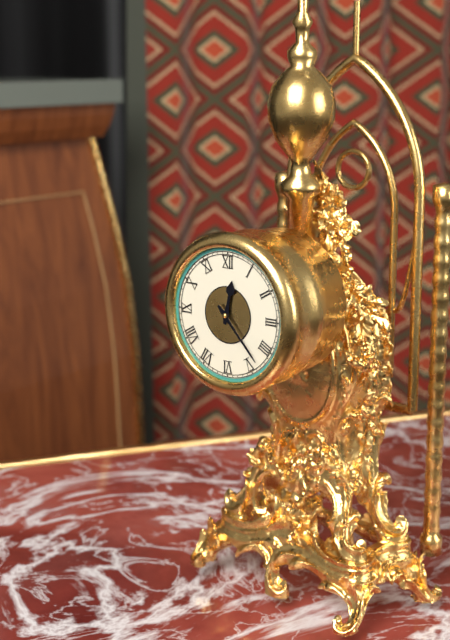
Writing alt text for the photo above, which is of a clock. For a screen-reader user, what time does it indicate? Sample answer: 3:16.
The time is 12:23
